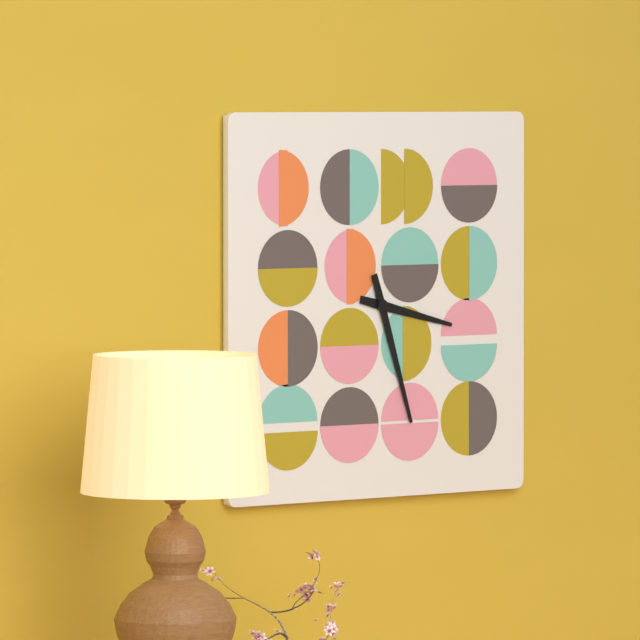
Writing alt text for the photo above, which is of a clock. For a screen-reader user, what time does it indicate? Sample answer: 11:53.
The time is 3:27
